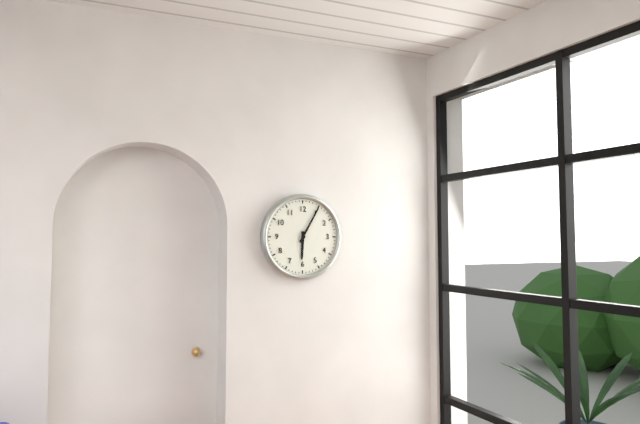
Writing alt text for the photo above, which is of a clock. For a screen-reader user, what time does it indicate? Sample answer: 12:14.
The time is 6:05
